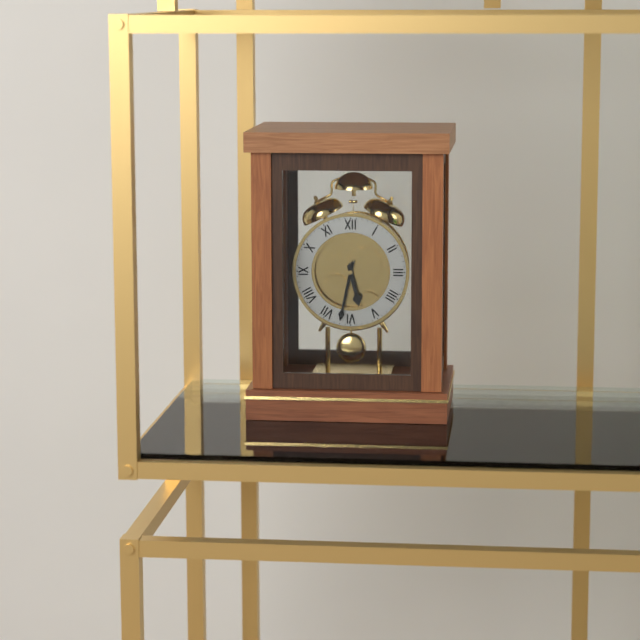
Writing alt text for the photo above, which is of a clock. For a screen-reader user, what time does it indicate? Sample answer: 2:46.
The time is 5:32
